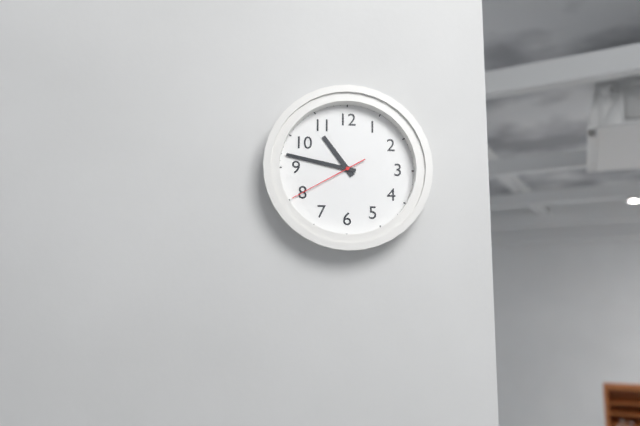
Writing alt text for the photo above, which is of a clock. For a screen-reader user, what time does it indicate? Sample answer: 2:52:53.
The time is 10:47:40
